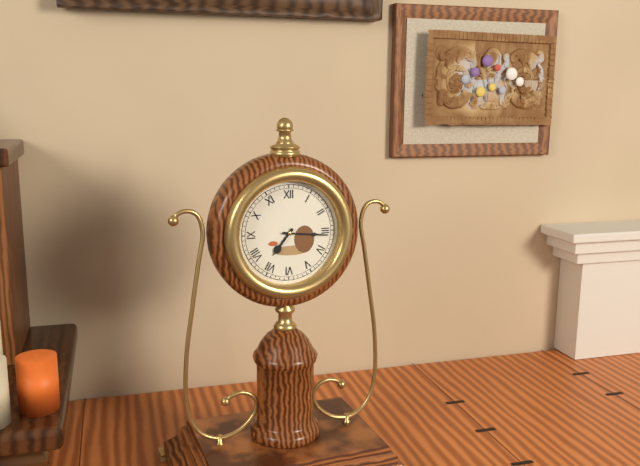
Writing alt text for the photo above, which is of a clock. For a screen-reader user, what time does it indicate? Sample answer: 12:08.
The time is 7:16
